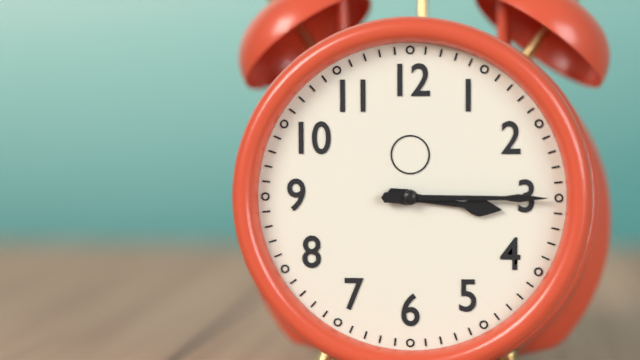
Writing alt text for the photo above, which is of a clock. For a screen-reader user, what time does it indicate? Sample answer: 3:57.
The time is 3:15
